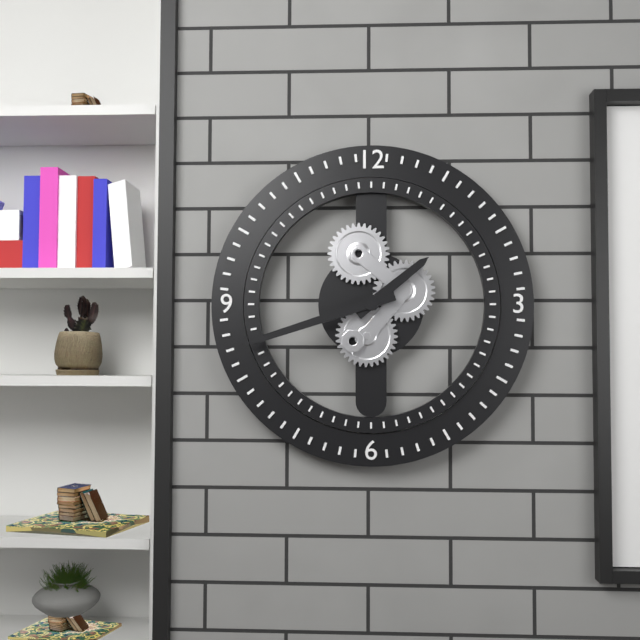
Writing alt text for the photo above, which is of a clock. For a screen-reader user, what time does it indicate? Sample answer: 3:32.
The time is 1:42
